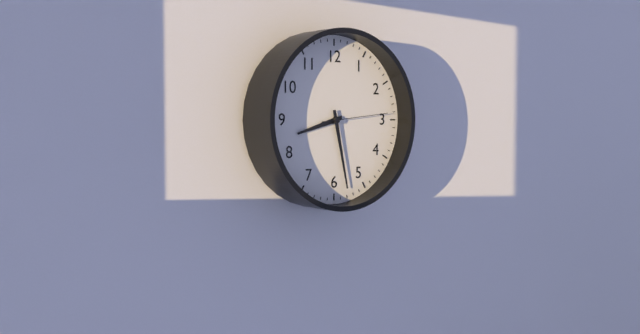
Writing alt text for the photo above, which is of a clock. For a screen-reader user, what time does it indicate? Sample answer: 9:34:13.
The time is 8:28:14
